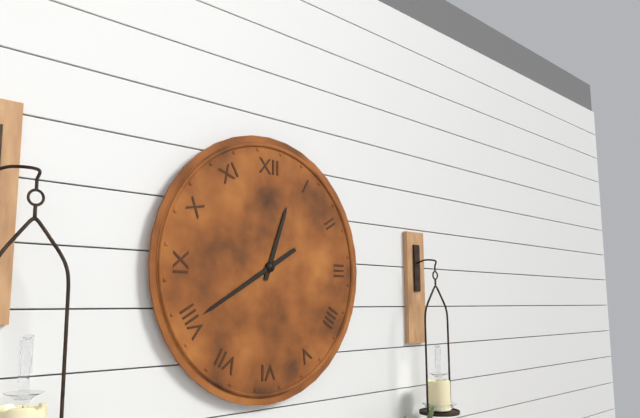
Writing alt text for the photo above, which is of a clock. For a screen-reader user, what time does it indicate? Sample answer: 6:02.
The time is 12:40
